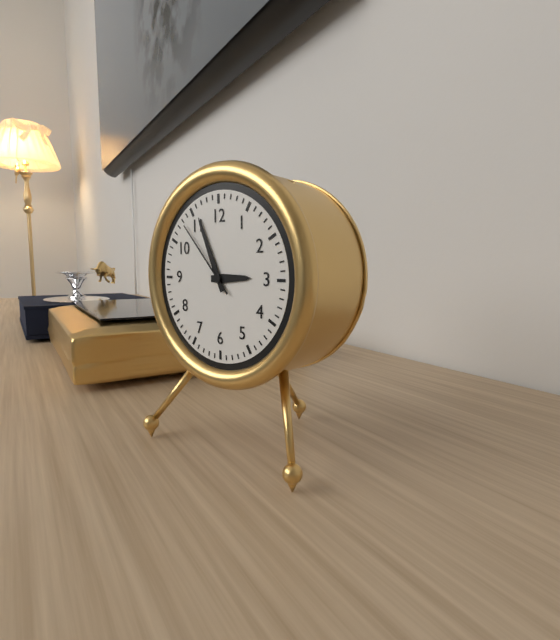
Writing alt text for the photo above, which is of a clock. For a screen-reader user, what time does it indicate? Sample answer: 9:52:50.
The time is 2:56:53
